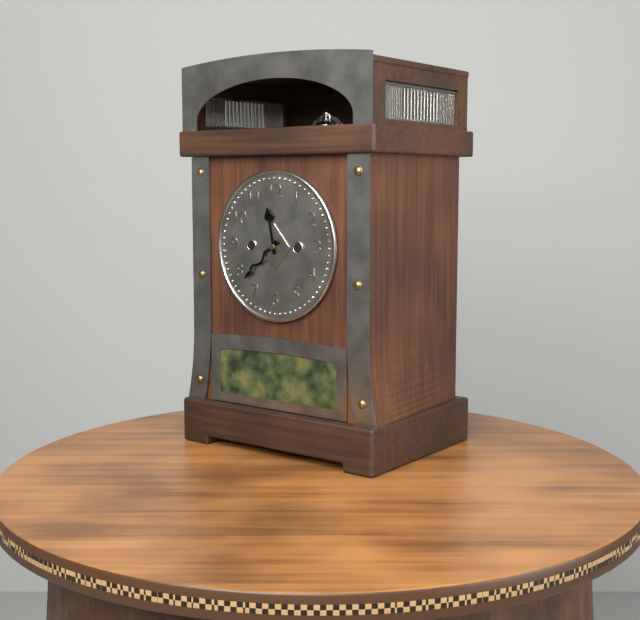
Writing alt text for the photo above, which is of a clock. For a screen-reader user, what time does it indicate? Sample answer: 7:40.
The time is 11:38
